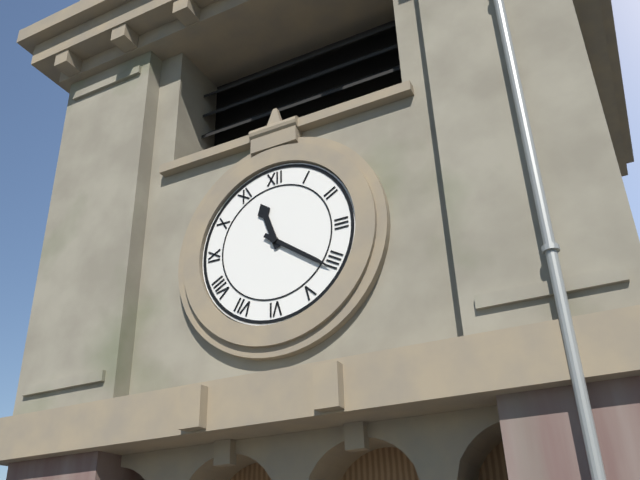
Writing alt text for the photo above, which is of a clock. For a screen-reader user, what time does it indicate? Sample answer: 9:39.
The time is 11:21
